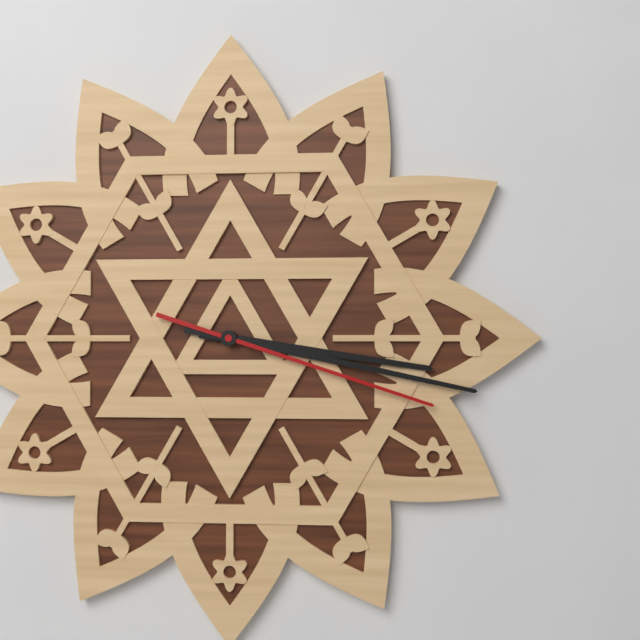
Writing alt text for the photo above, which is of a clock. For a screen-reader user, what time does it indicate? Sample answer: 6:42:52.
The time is 3:17:18
